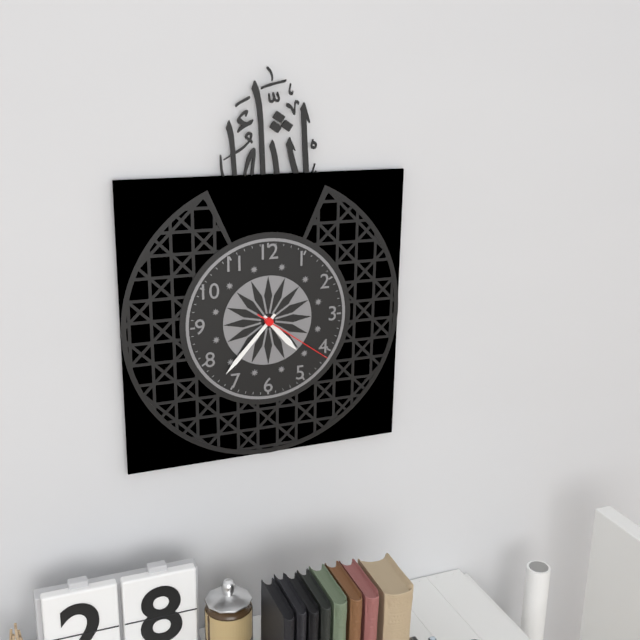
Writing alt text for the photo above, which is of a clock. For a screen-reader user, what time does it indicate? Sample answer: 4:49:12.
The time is 4:37:21
